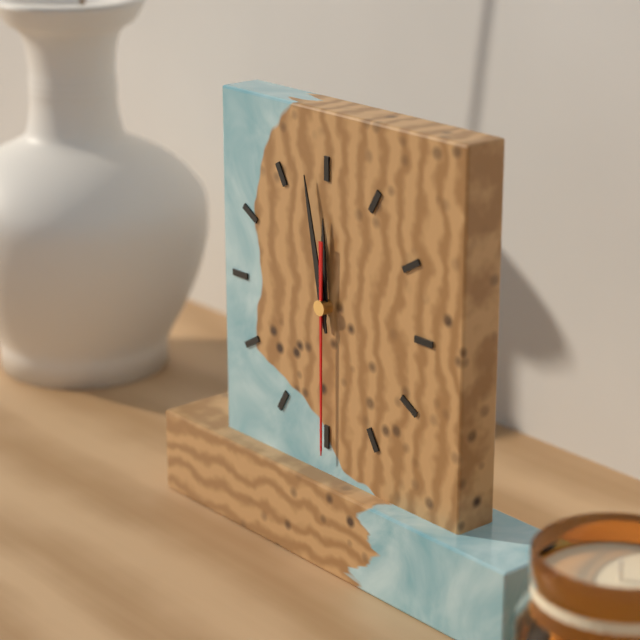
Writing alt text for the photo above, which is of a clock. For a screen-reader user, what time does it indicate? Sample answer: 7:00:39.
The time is 11:58:30
